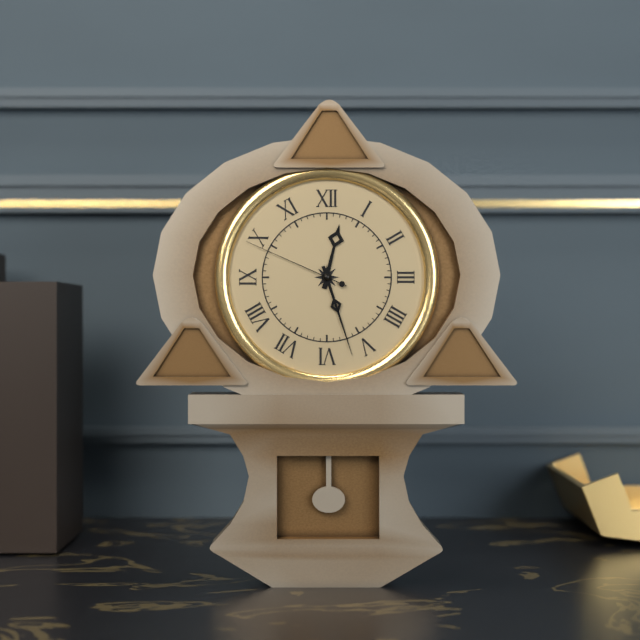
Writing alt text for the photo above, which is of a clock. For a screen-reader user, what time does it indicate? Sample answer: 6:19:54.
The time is 12:27:49
